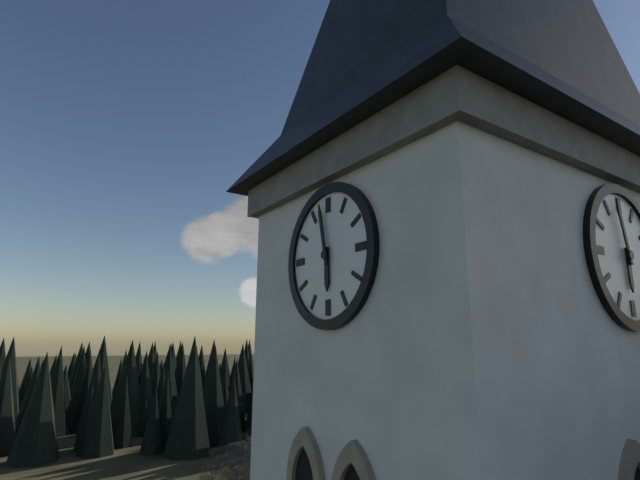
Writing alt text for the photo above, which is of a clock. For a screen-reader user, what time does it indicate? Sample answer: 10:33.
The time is 5:58
